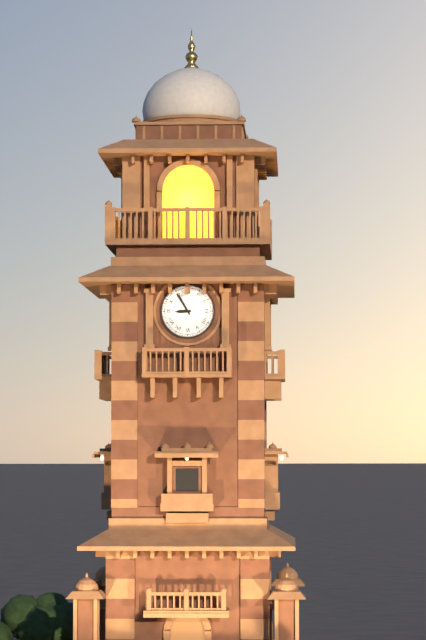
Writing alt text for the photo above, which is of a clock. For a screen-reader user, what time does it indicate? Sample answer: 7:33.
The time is 8:55
